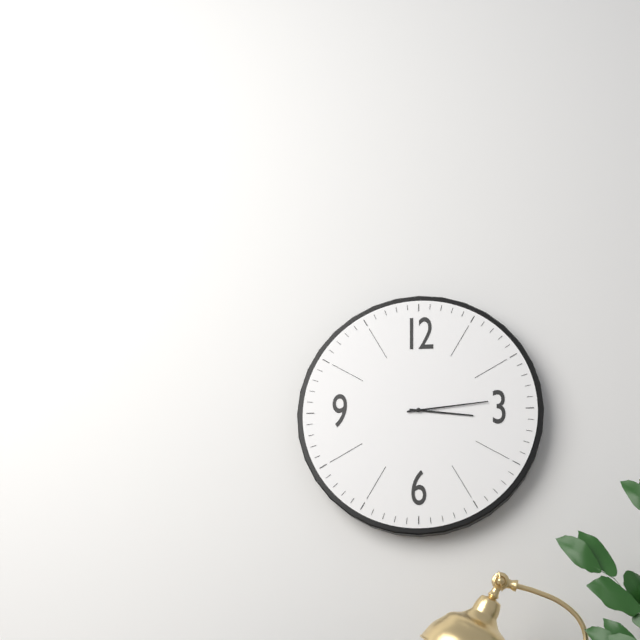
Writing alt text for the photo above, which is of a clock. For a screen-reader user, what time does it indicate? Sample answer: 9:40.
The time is 3:14
